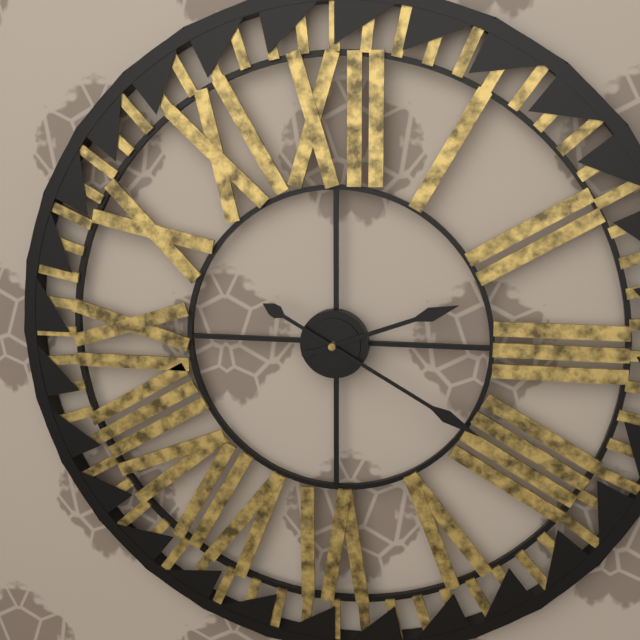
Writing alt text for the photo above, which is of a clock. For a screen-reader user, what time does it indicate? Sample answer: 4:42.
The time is 2:20
